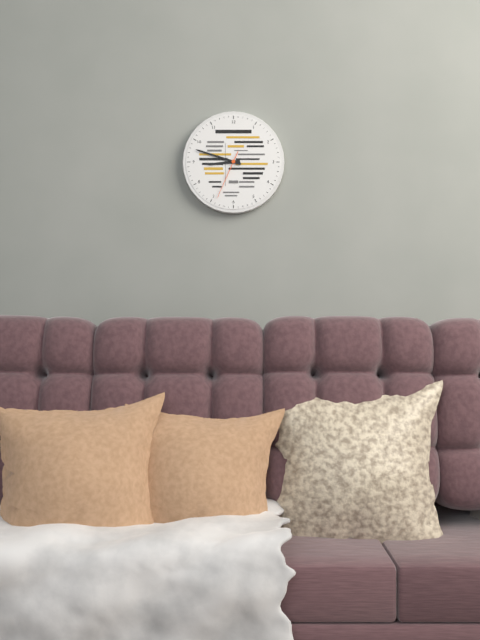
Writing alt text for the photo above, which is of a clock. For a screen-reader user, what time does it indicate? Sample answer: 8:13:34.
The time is 8:48:34
